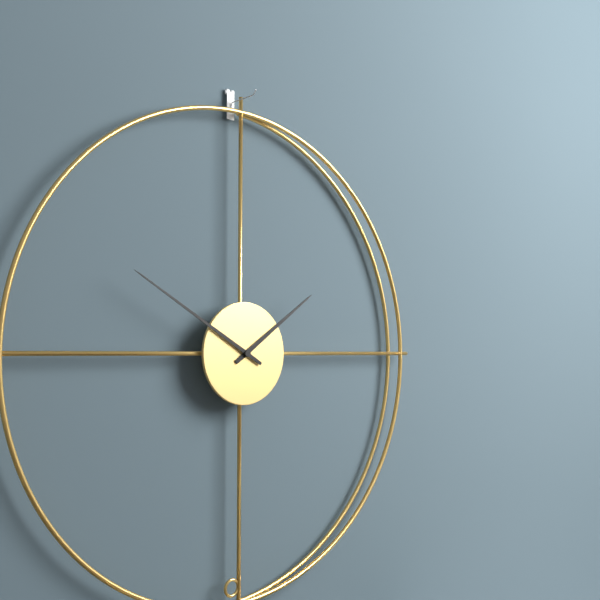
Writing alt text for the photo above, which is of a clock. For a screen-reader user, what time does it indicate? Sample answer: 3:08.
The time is 1:50
